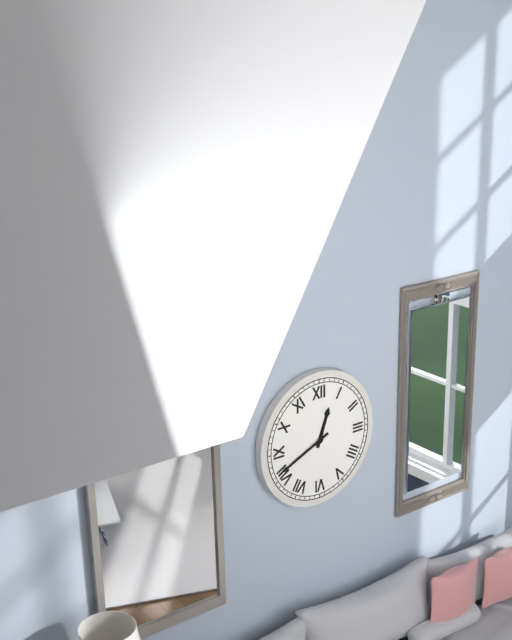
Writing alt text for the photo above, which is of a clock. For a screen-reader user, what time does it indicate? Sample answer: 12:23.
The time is 12:41
